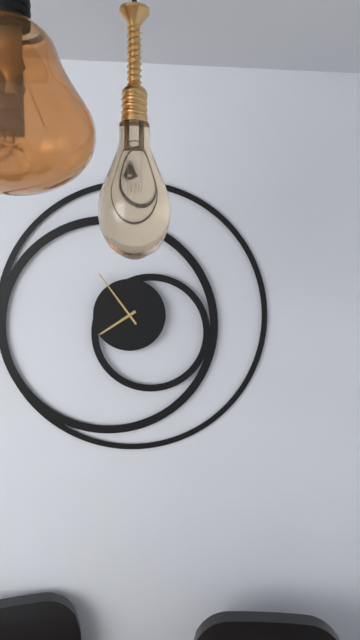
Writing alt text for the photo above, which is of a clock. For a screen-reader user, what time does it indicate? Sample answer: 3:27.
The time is 7:54
